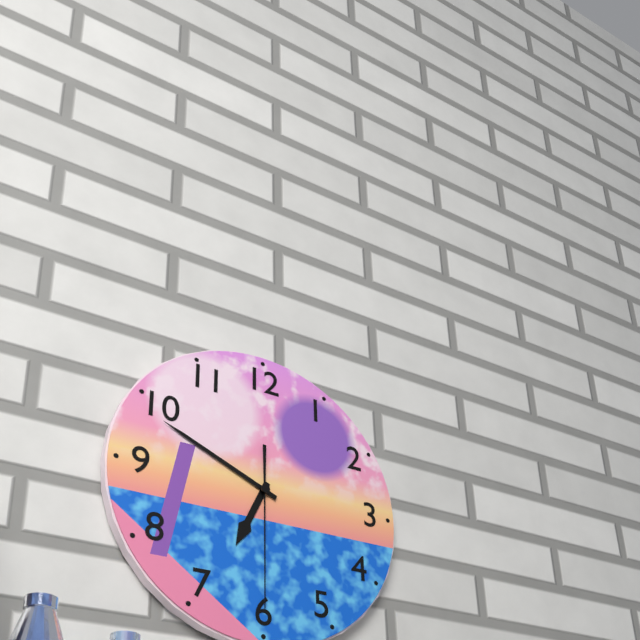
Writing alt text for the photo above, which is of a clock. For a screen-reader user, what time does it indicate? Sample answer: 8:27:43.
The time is 6:49:30
